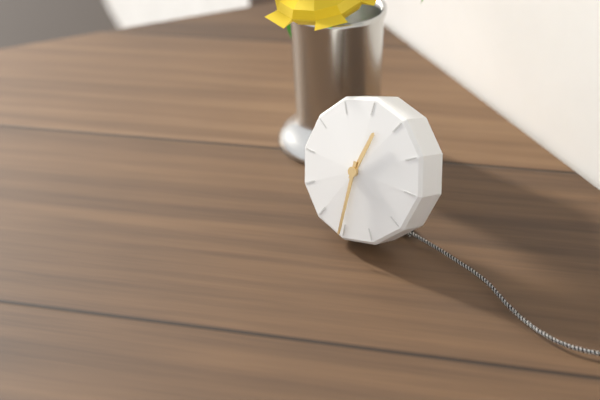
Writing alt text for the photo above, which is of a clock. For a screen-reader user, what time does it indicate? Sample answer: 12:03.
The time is 12:30
